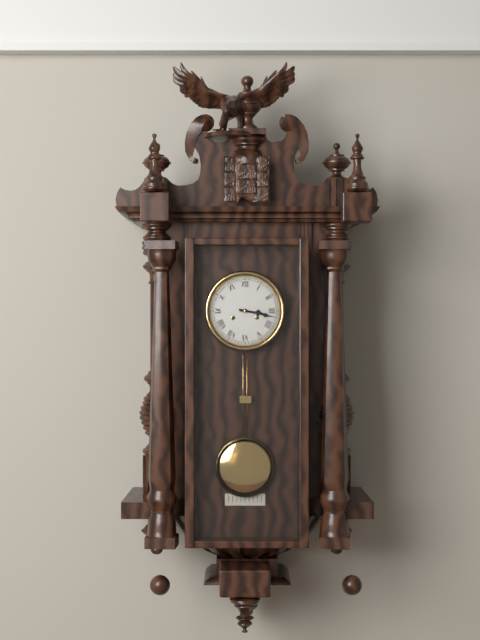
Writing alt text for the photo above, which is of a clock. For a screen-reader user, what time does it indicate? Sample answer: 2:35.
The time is 3:17
